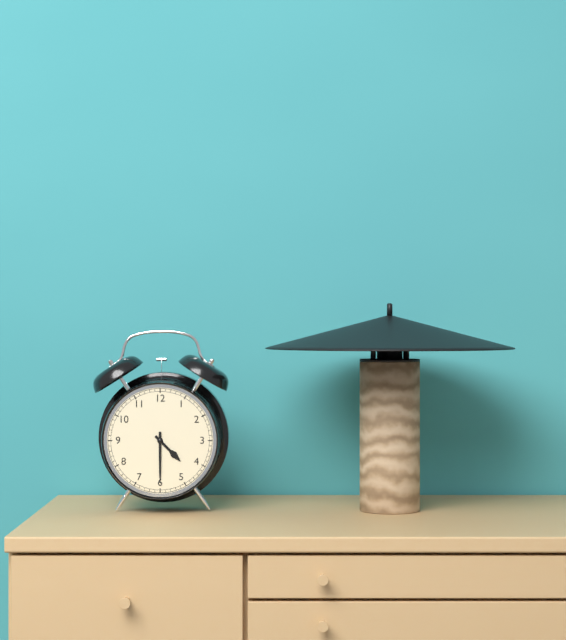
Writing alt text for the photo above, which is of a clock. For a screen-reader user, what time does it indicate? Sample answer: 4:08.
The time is 4:30
